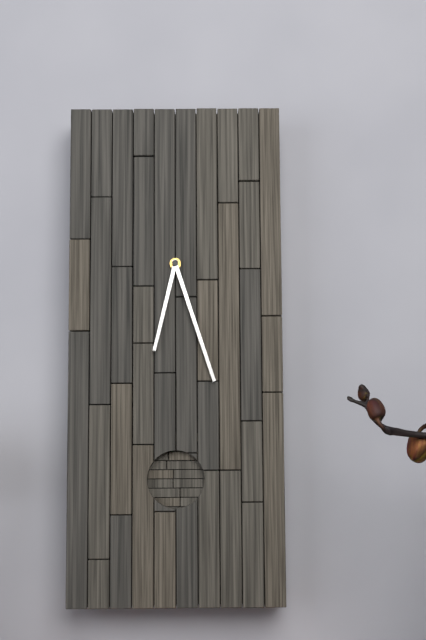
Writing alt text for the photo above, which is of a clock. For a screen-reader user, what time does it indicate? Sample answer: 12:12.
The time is 6:27
